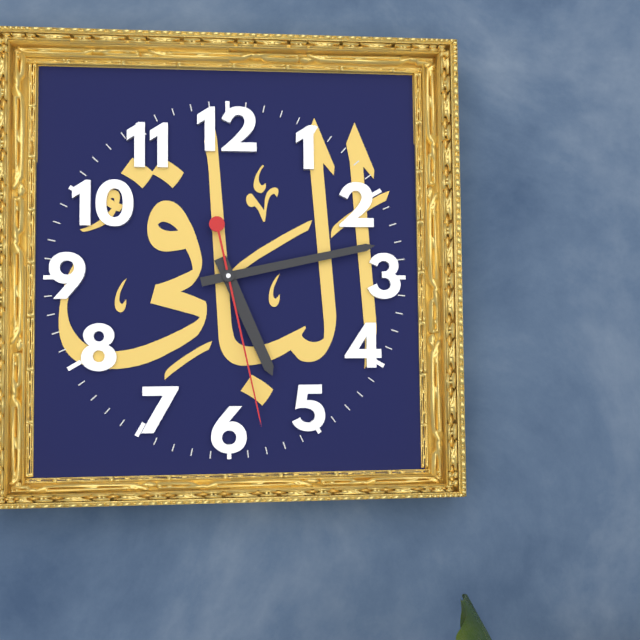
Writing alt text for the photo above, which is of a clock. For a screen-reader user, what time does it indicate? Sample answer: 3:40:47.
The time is 5:13:28
